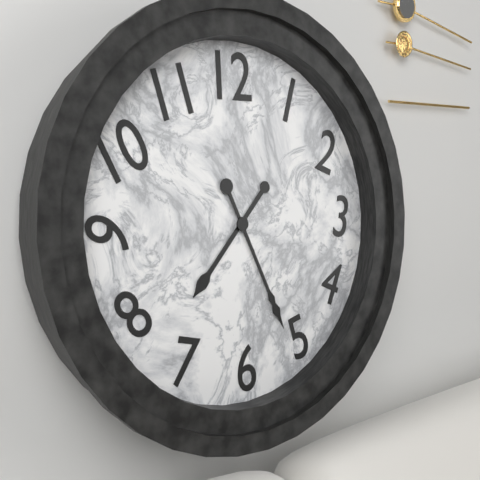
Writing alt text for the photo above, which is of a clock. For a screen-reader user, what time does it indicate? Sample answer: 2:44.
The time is 7:26
